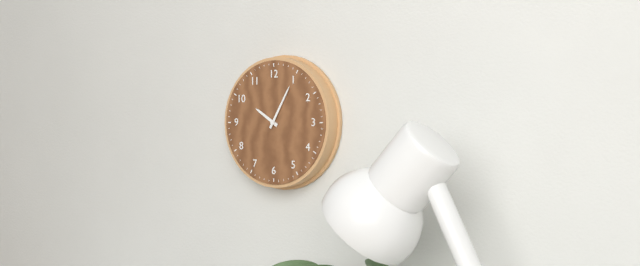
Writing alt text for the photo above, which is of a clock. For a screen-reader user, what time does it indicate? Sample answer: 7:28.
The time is 10:05
